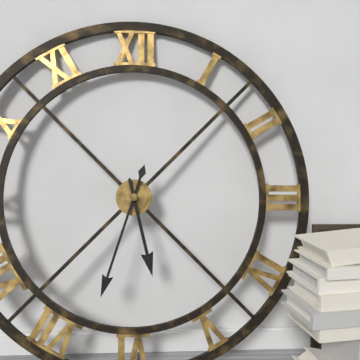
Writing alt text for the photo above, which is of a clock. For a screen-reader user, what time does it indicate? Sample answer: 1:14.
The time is 5:33
